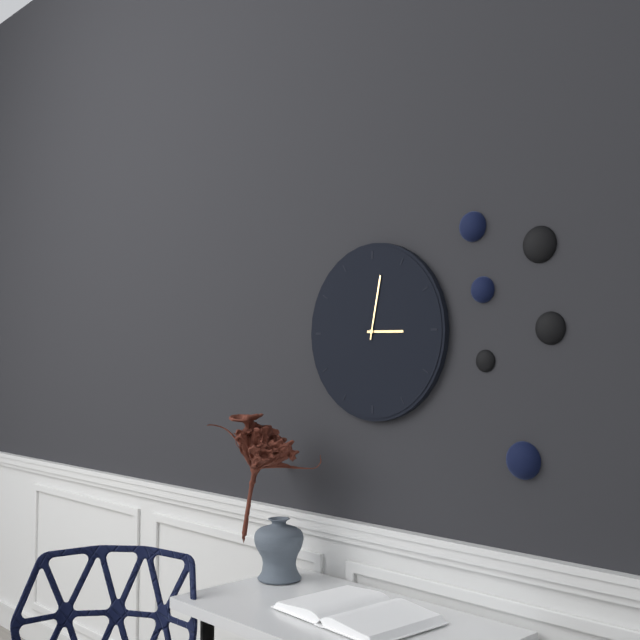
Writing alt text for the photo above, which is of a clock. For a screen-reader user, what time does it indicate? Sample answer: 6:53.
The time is 3:02
